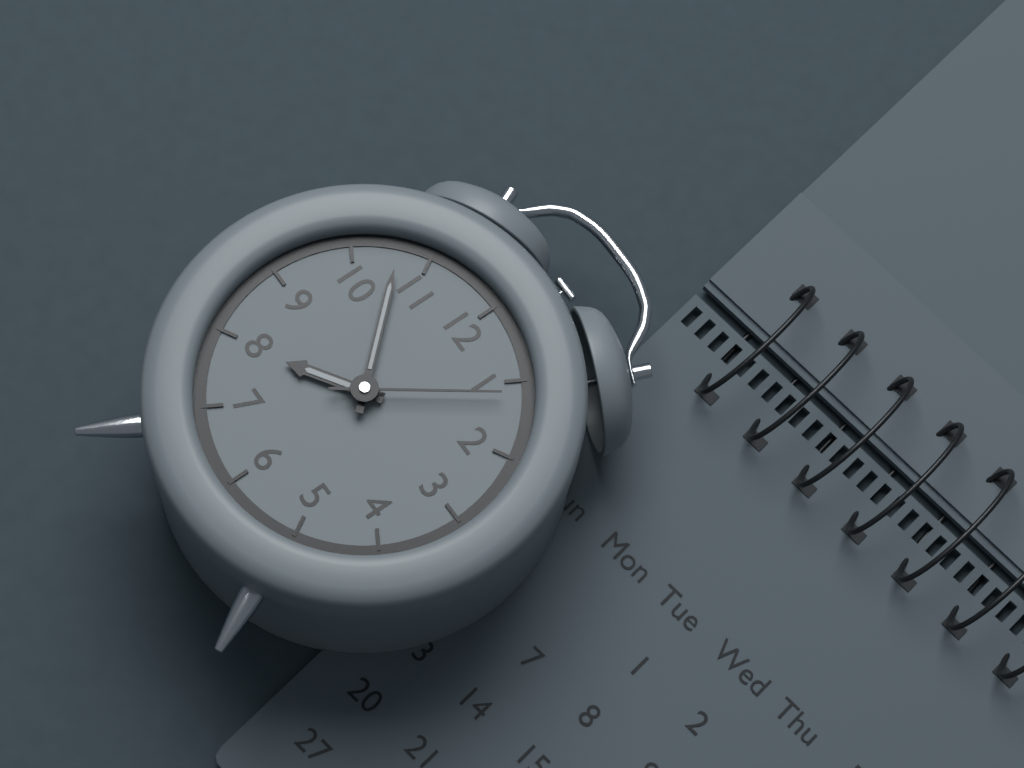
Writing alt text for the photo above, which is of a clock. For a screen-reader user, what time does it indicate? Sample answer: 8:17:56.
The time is 7:53:06
